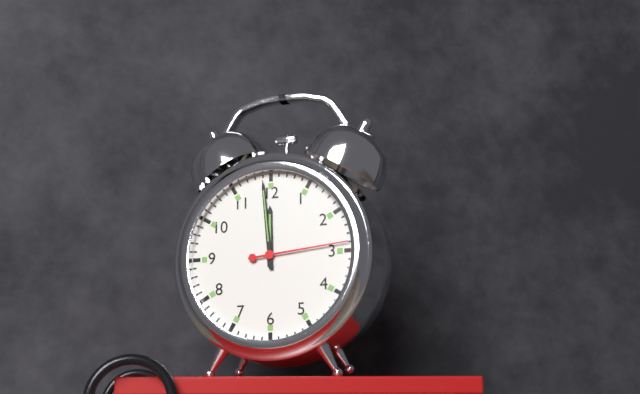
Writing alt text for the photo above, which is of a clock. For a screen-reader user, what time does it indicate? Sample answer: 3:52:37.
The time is 11:59:14
